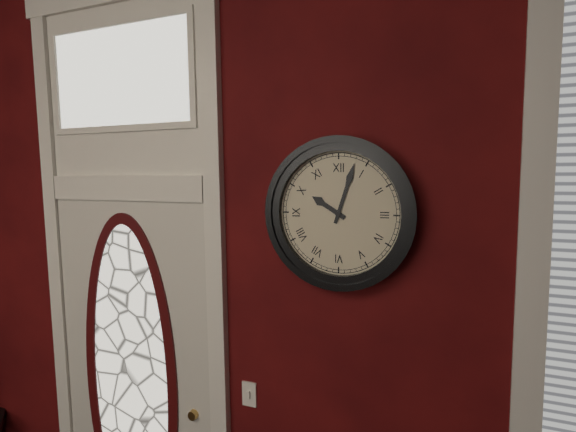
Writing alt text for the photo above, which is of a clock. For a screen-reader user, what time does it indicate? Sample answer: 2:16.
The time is 10:03
